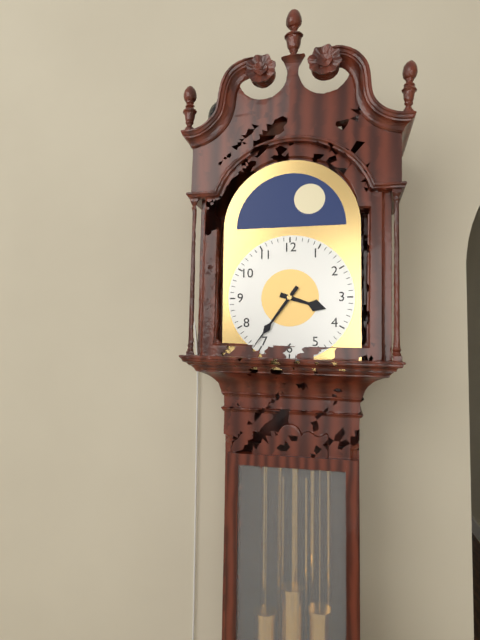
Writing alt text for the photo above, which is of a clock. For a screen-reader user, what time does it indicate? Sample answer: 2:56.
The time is 3:36
